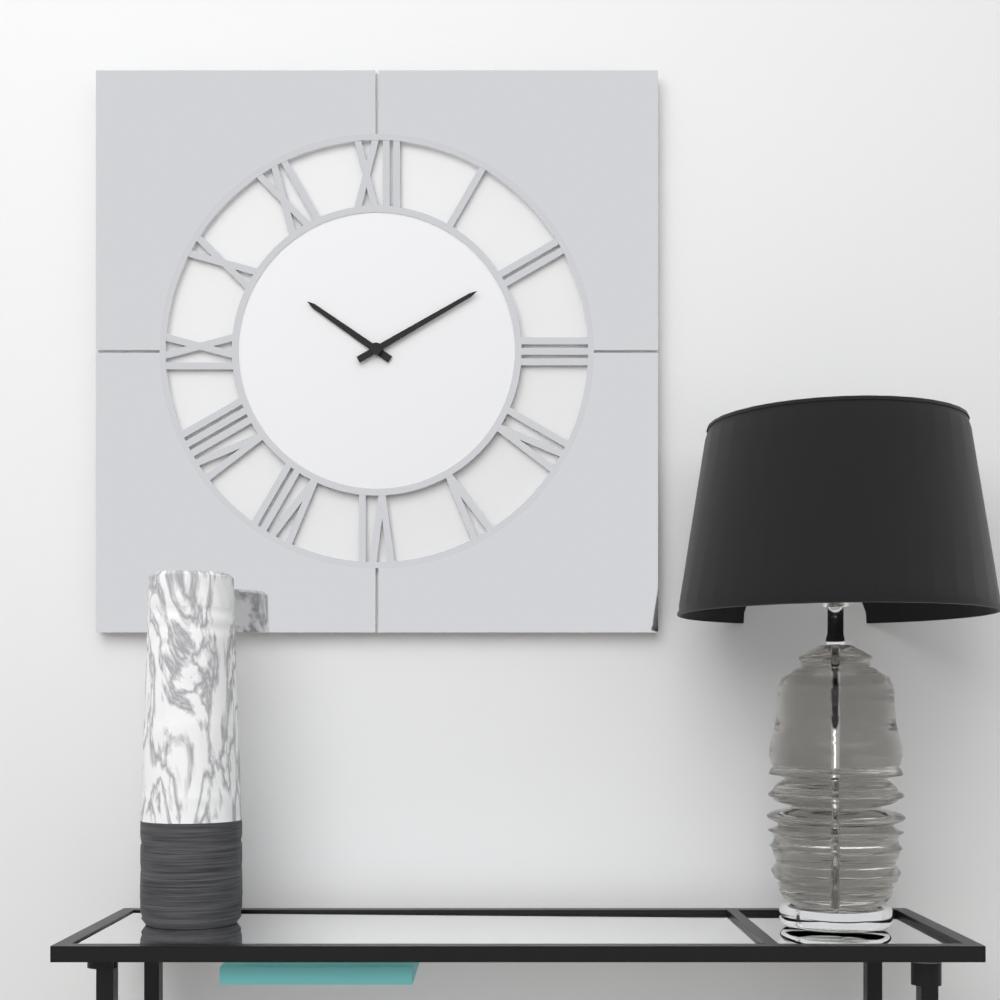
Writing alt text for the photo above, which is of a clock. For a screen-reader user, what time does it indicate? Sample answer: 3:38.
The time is 10:10
